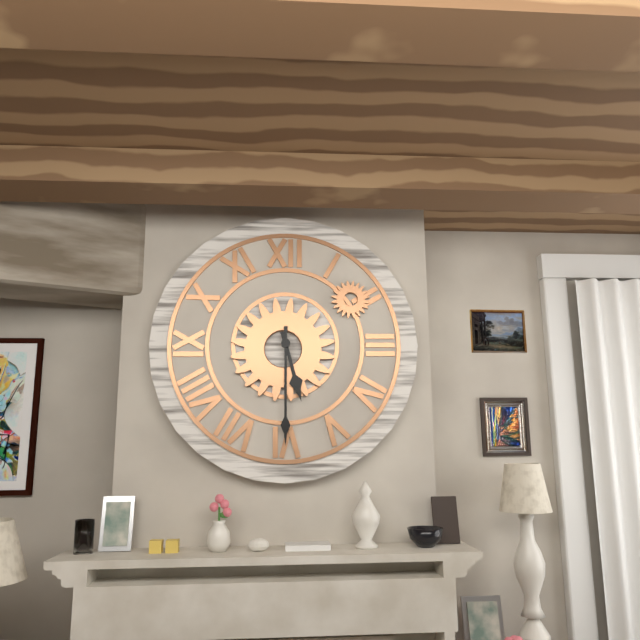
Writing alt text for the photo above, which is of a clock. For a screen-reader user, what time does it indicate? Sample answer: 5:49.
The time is 5:30
